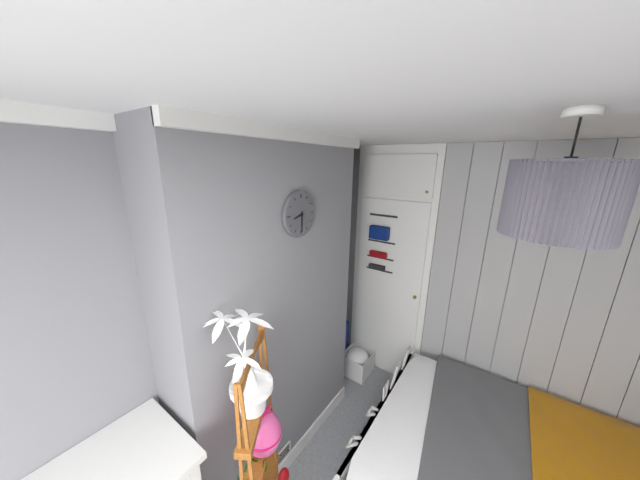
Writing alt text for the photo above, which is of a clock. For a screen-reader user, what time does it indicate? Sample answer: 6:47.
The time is 8:30
